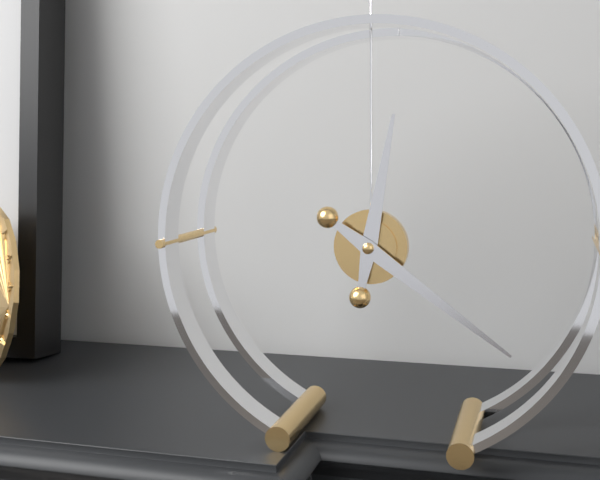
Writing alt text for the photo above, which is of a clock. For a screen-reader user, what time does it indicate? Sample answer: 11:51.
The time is 12:21
